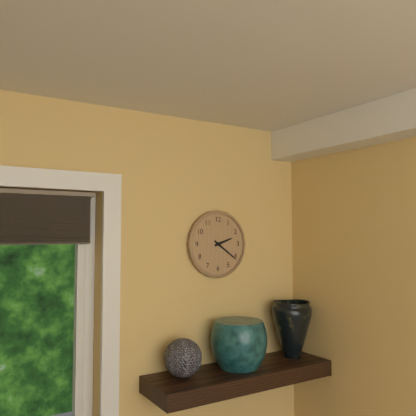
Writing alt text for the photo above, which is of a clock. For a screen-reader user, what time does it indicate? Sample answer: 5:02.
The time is 2:21
